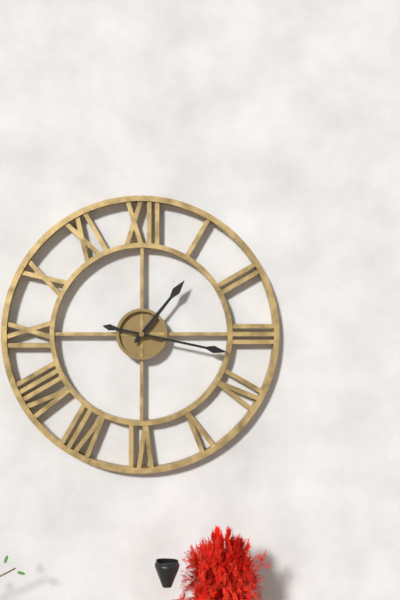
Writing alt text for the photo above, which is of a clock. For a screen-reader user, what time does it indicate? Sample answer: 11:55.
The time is 1:17
